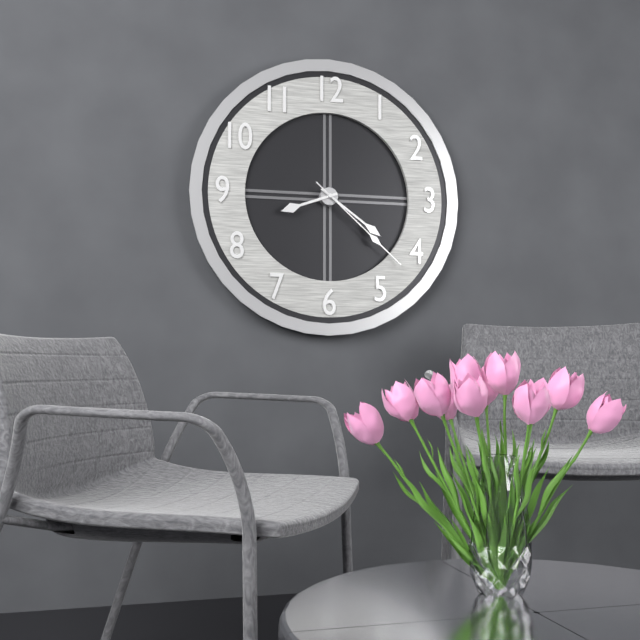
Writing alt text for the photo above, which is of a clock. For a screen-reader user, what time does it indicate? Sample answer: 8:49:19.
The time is 8:21:22
